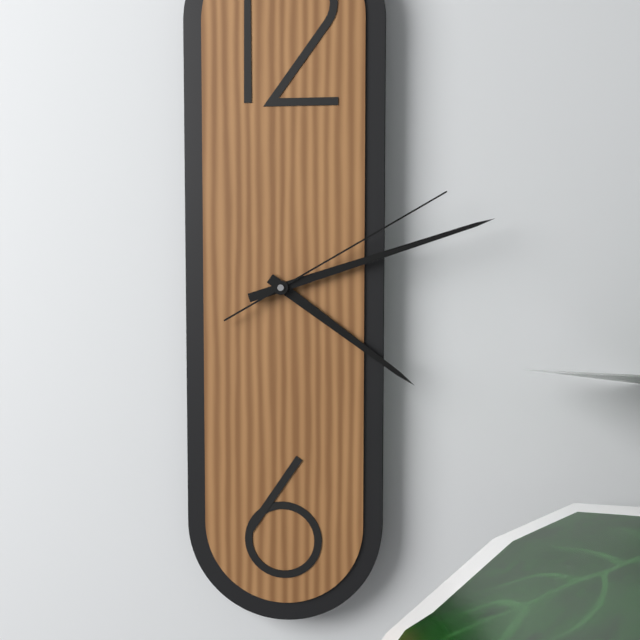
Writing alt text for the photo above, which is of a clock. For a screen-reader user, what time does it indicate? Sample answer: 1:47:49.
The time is 4:12:10
